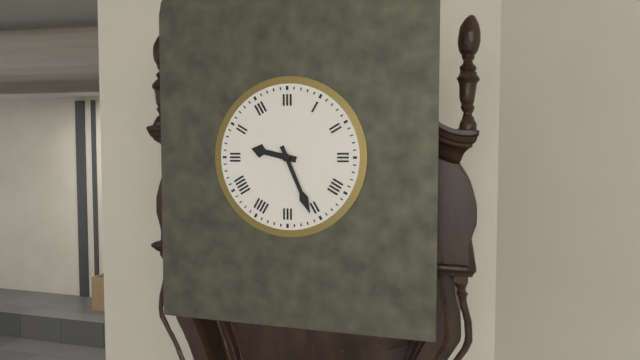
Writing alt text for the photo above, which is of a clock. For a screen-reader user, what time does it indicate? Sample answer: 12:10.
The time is 9:26
